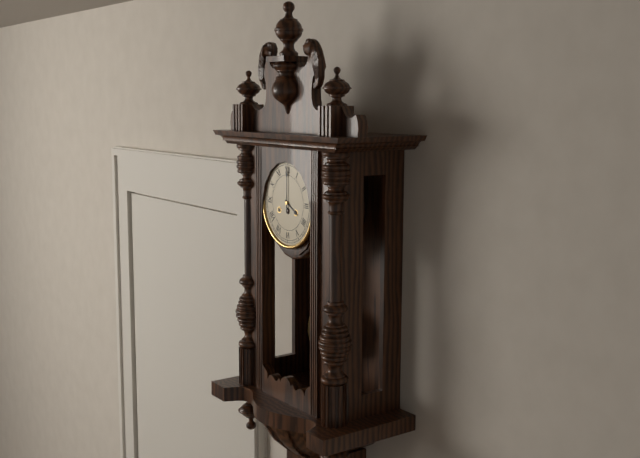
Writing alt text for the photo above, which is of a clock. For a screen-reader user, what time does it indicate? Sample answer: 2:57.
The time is 4:00
